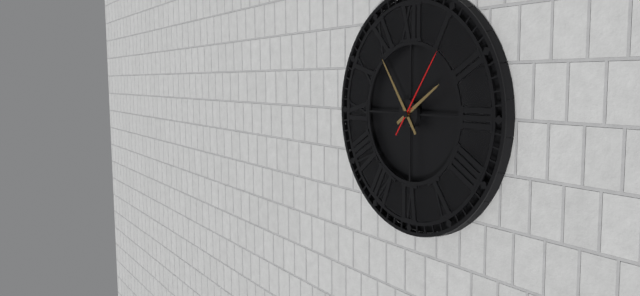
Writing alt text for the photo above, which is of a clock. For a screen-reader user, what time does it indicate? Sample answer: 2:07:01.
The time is 1:54:06
